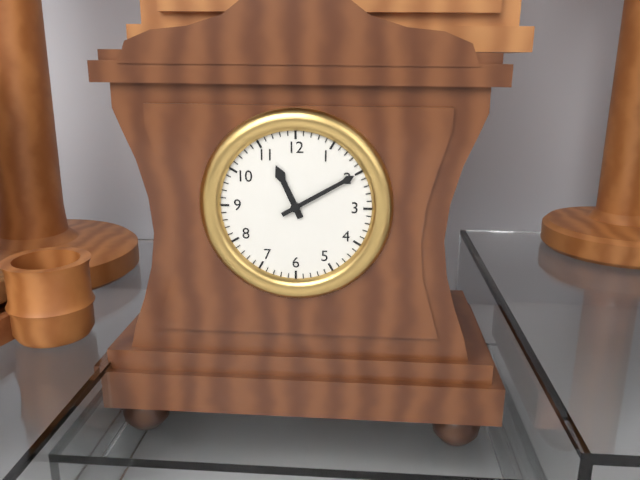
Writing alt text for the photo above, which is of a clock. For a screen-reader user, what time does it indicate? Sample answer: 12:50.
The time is 11:10
